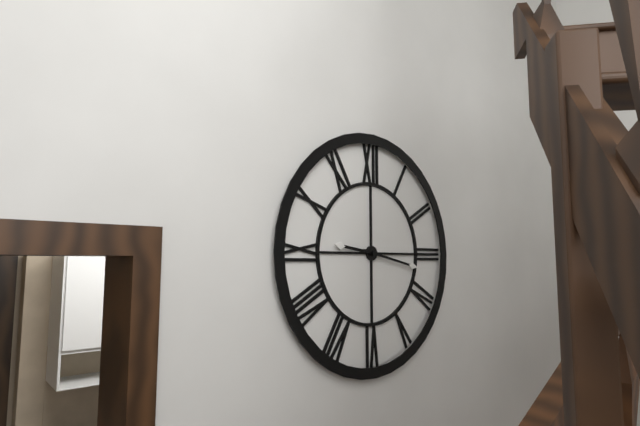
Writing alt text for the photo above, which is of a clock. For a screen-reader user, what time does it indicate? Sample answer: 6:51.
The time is 9:17
